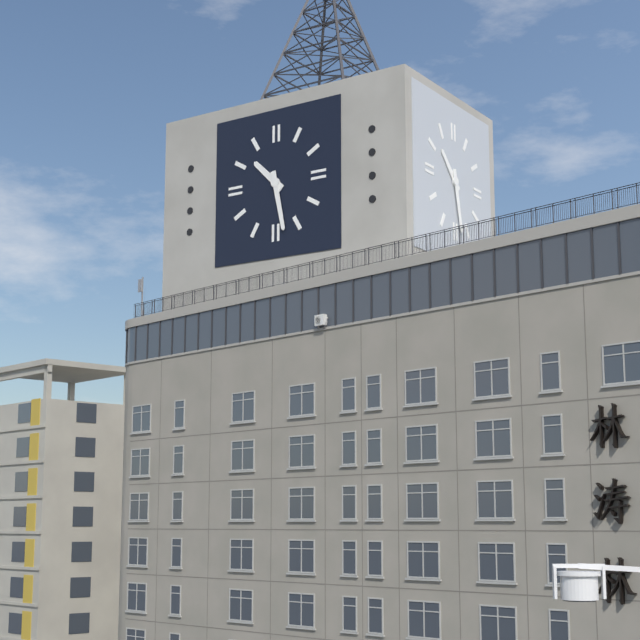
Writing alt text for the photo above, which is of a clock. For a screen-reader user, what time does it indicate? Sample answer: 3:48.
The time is 10:28
